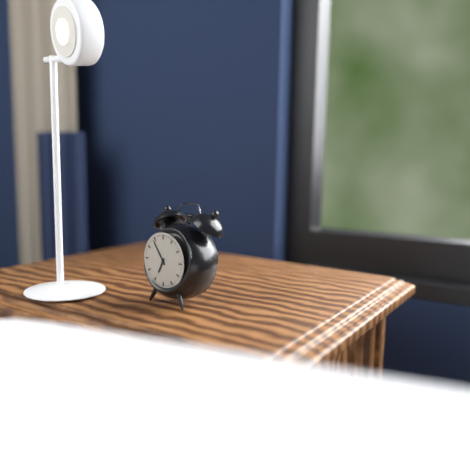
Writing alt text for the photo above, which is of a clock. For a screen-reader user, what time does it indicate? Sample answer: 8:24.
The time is 6:54
